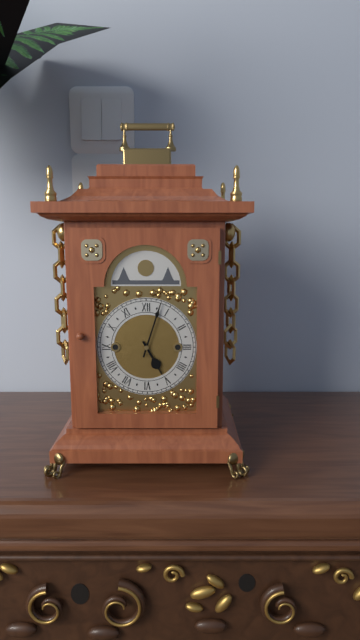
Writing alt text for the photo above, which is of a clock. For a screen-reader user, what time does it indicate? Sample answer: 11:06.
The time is 5:03
